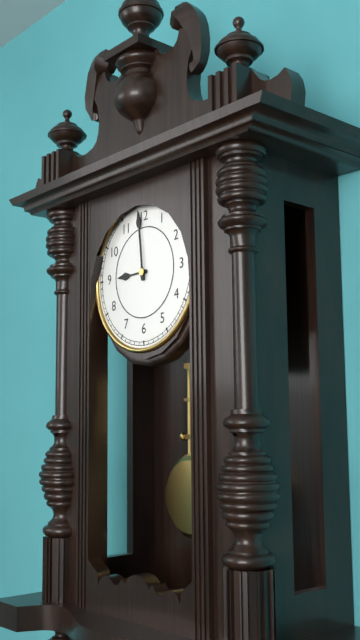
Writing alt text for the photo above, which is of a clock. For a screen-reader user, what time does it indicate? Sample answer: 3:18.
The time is 8:59
